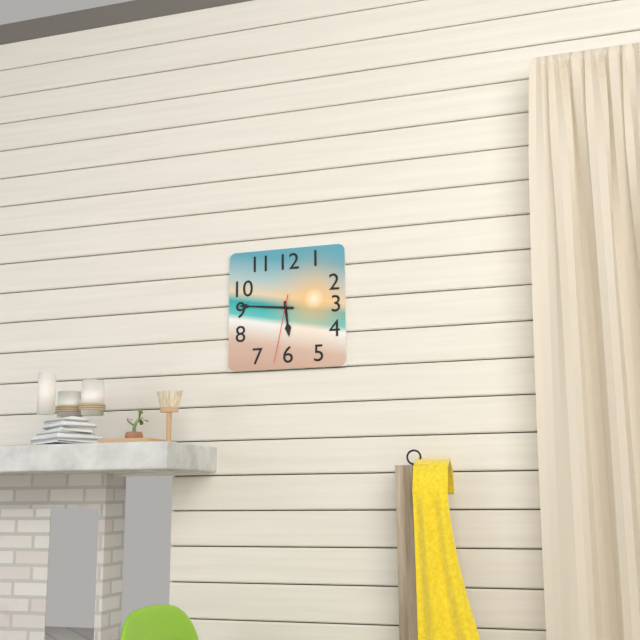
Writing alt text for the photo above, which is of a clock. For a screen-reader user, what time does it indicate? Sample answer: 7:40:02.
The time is 5:46:32
